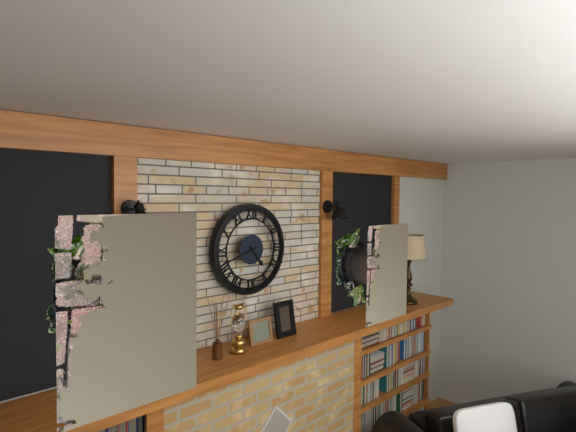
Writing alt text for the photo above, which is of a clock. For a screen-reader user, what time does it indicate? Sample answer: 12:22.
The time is 4:42
